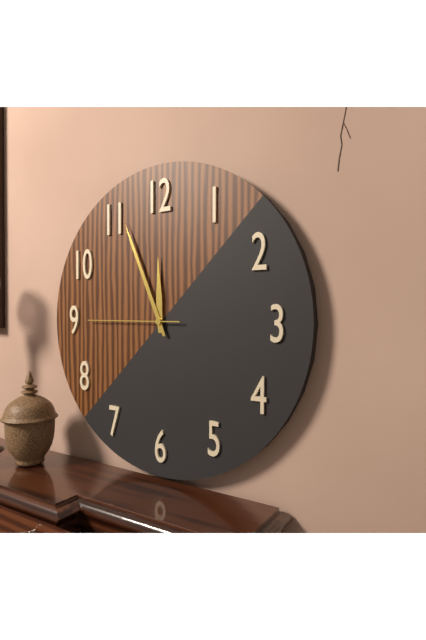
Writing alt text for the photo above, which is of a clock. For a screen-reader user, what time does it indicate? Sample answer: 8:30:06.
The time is 11:56:45
